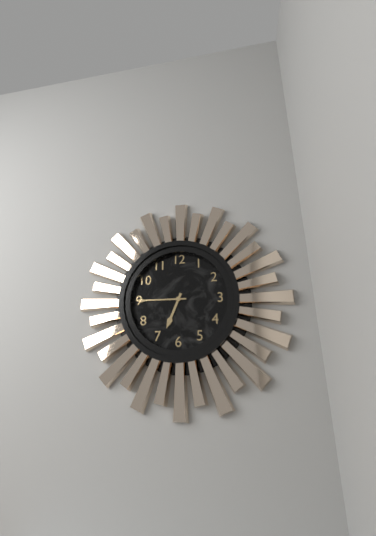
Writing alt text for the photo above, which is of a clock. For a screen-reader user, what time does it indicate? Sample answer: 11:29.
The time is 6:45
